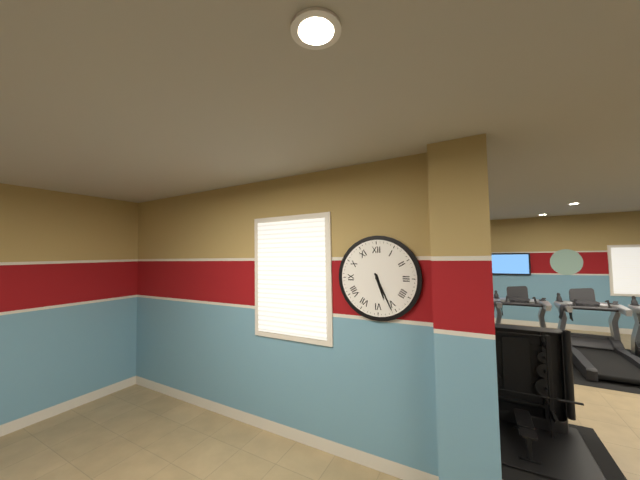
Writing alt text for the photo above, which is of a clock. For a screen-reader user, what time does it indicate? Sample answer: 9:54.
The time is 5:26
